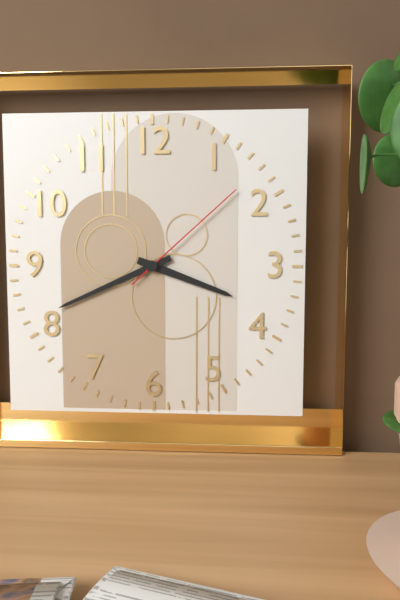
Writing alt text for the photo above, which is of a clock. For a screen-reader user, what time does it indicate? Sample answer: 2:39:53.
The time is 3:41:08
